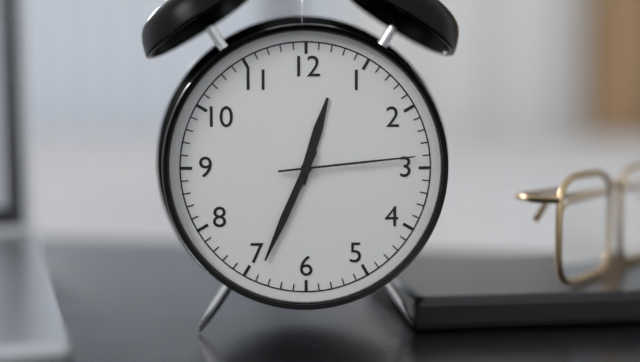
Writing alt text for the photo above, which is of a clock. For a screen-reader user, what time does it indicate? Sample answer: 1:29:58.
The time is 12:34:14
